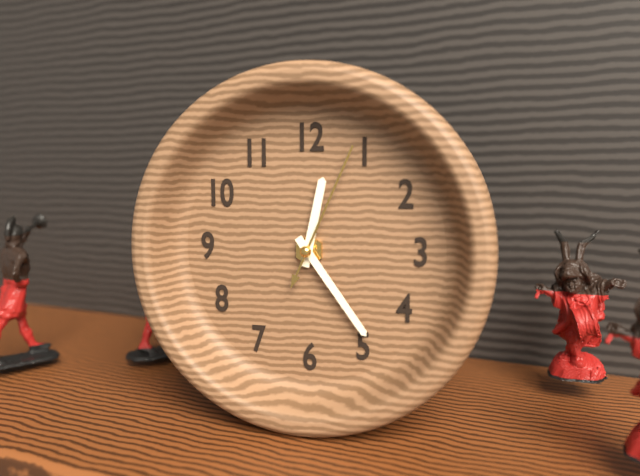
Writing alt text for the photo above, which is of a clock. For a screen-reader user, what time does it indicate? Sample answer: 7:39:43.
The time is 12:24:04
